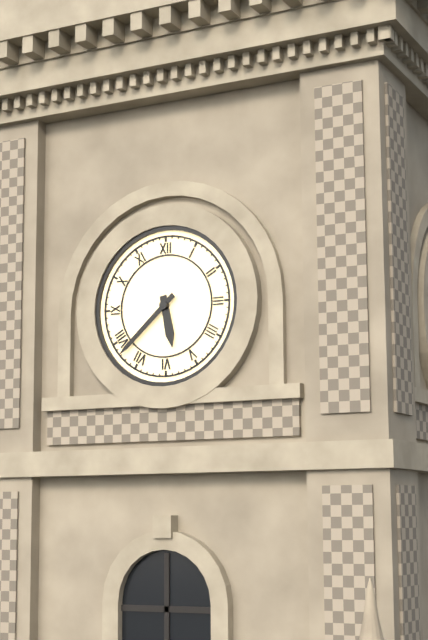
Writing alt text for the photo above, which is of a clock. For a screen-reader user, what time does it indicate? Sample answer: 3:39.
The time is 5:38
